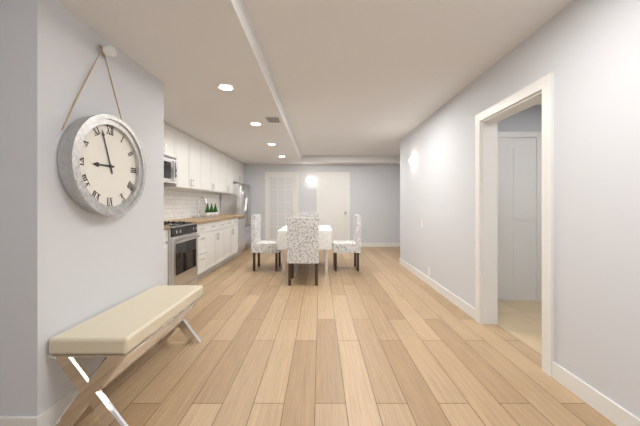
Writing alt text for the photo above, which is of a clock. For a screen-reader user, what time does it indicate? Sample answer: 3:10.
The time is 8:57
